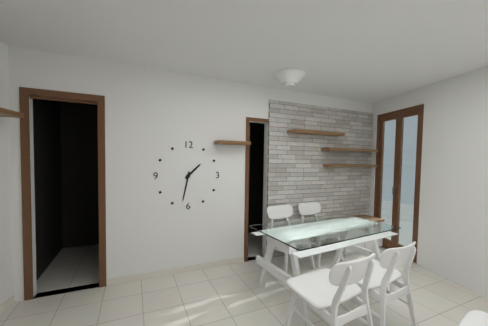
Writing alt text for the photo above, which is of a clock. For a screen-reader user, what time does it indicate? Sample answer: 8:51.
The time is 1:32
